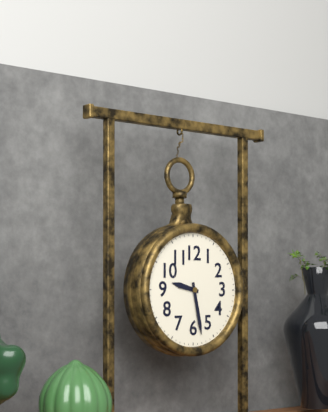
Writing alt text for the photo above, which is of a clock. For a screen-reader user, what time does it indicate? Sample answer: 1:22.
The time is 9:28
